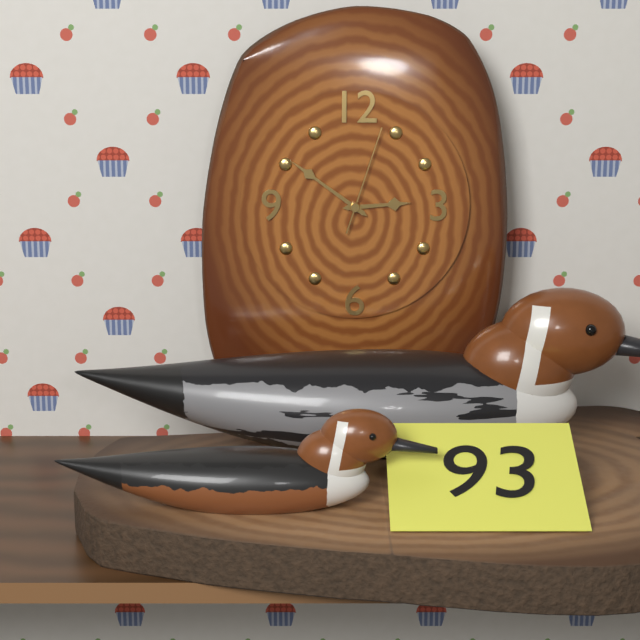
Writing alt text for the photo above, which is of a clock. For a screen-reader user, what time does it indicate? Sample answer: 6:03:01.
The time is 2:51:03
